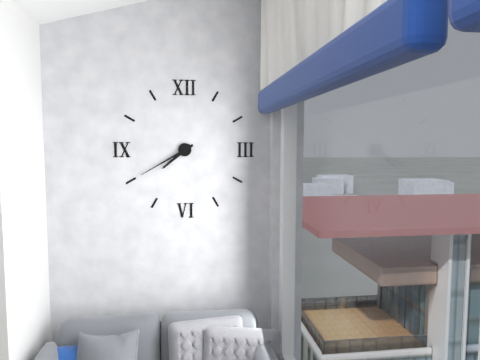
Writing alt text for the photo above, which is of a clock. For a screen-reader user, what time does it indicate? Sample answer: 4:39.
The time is 7:40
